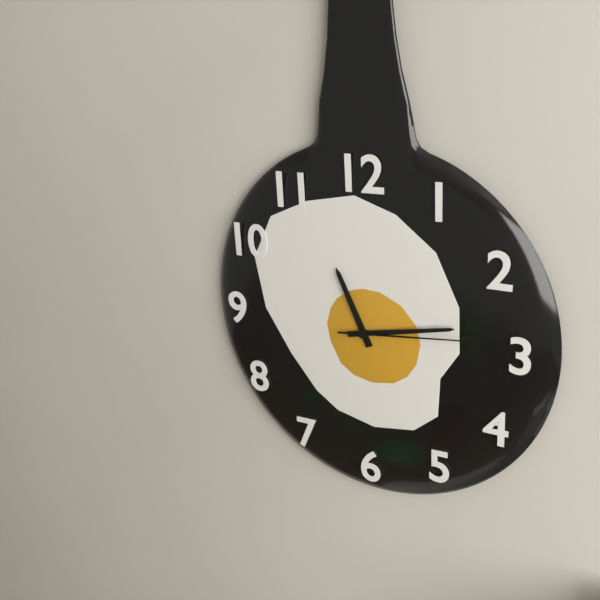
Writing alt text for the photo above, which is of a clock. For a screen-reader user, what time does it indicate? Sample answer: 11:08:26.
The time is 11:13:14
